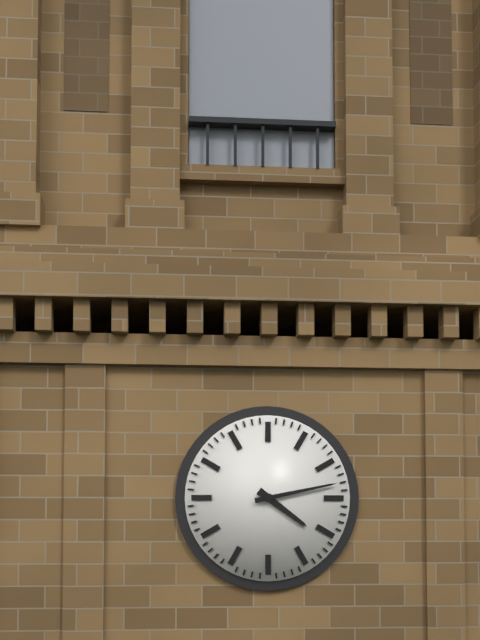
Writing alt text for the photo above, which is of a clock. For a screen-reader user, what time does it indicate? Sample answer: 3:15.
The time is 4:13
